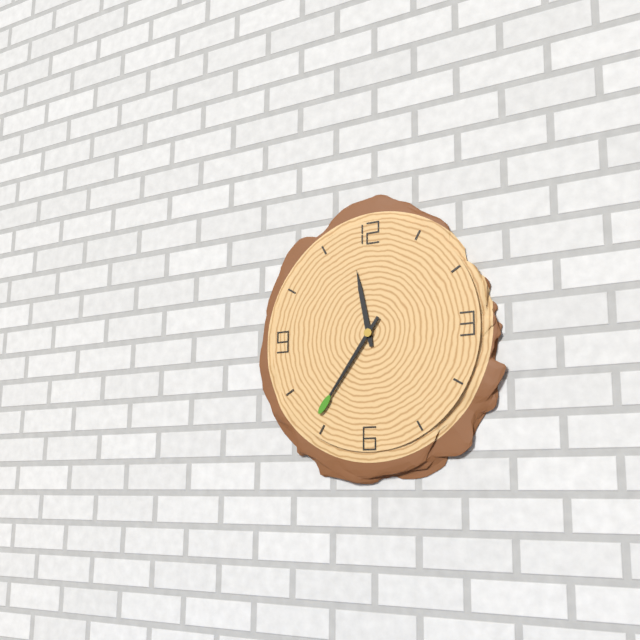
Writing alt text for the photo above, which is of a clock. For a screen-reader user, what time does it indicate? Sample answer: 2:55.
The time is 11:36
